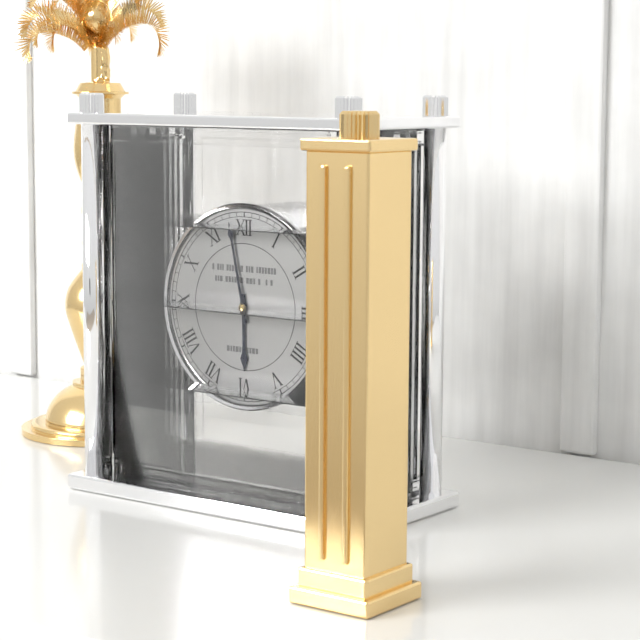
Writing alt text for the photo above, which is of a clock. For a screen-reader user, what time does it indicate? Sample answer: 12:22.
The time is 5:58
